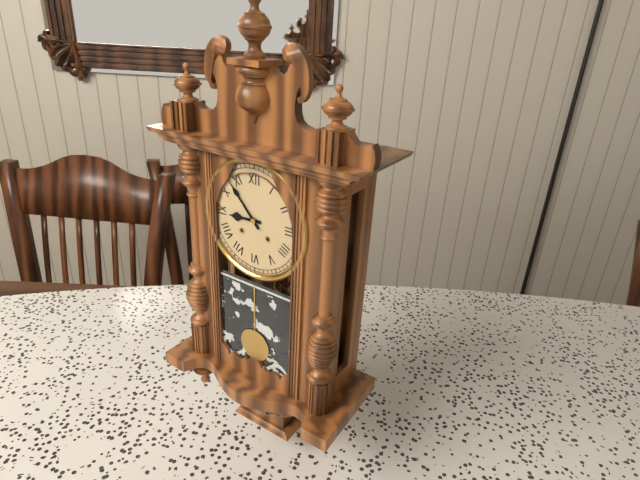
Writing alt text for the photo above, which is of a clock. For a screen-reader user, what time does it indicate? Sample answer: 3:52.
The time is 8:53
